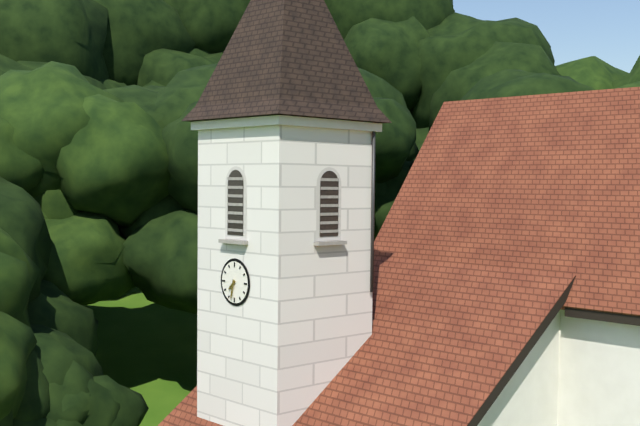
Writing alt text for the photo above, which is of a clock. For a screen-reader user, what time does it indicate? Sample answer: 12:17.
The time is 7:32
